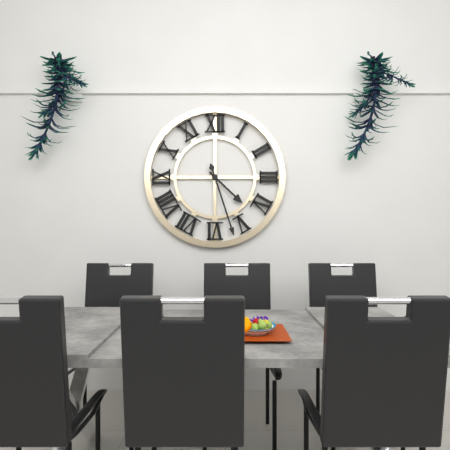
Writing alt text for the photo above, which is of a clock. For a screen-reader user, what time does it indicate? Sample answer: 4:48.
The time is 4:27
